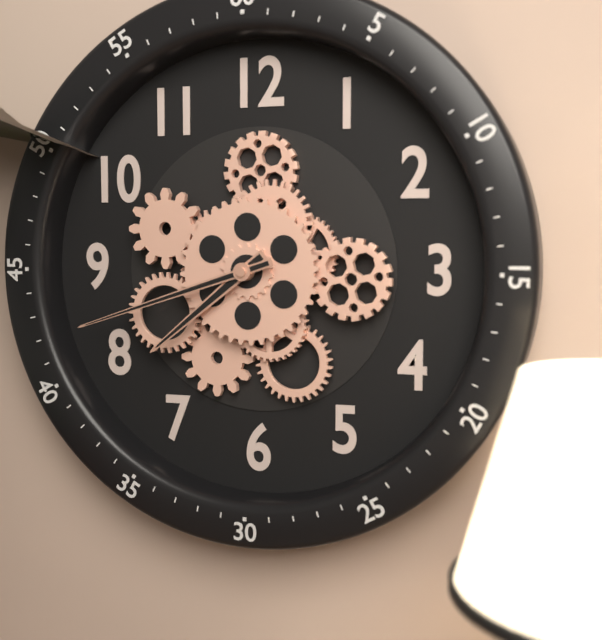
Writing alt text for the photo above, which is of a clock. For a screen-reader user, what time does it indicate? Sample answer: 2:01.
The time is 7:42
